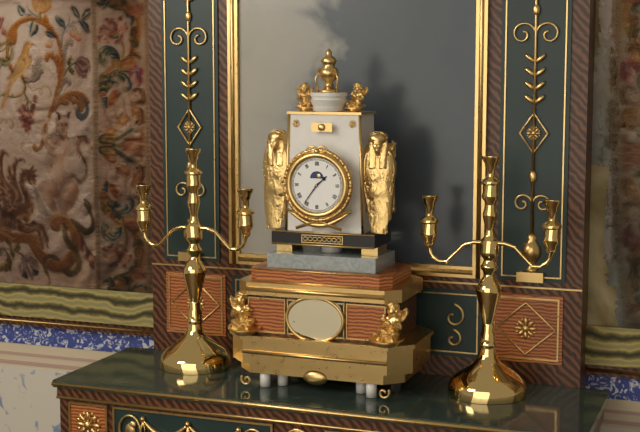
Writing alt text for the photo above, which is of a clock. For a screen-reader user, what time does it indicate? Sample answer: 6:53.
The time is 1:36
